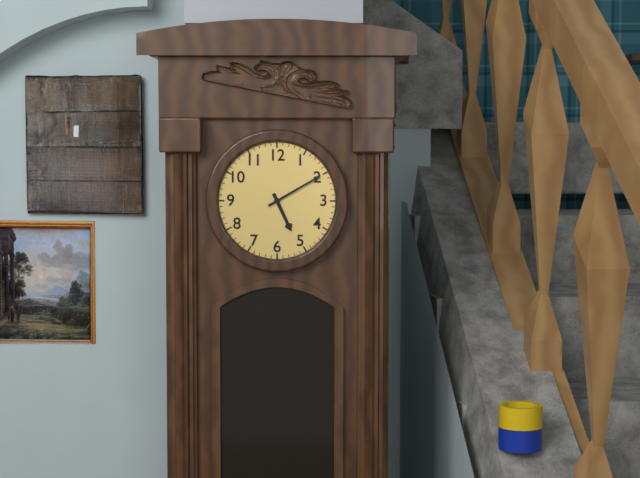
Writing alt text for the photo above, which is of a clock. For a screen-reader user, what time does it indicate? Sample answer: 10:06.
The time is 5:10
